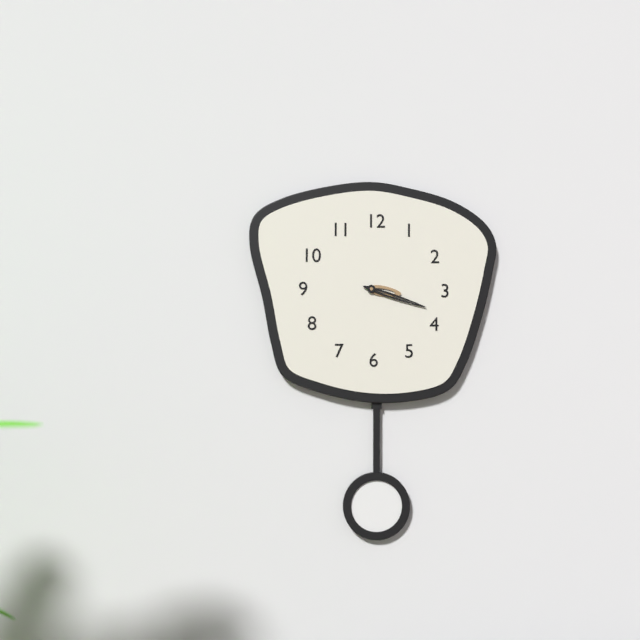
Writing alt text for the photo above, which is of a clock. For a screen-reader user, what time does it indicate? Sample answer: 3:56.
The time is 3:18
